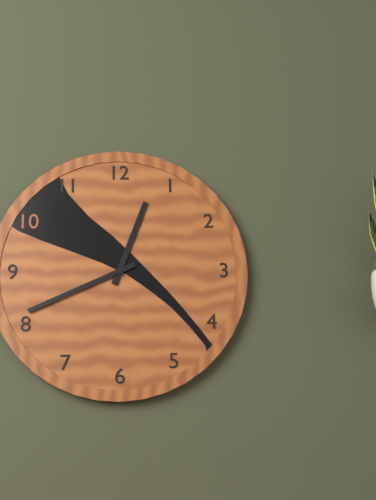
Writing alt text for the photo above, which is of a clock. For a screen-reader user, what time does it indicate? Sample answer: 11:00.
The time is 12:41
